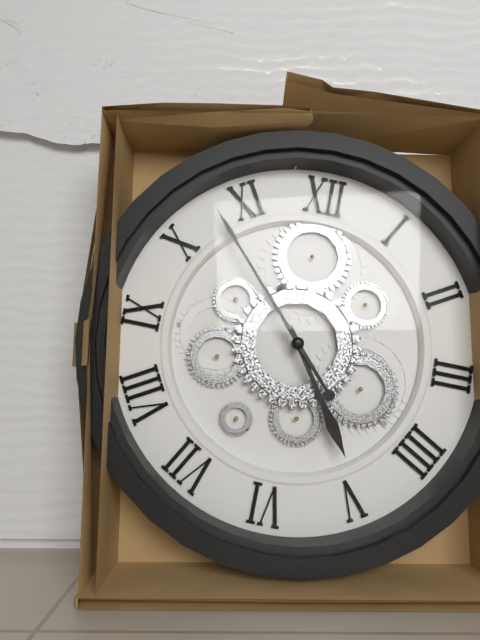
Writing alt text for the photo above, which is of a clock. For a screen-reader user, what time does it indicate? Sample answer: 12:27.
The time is 4:53
